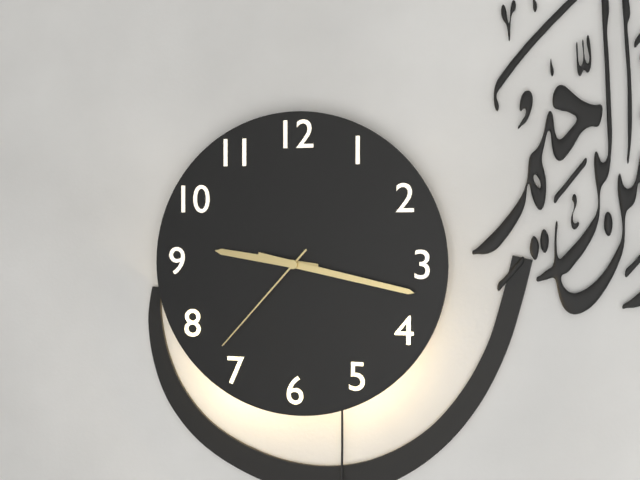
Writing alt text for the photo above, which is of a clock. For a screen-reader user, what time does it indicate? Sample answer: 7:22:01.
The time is 9:17:37
